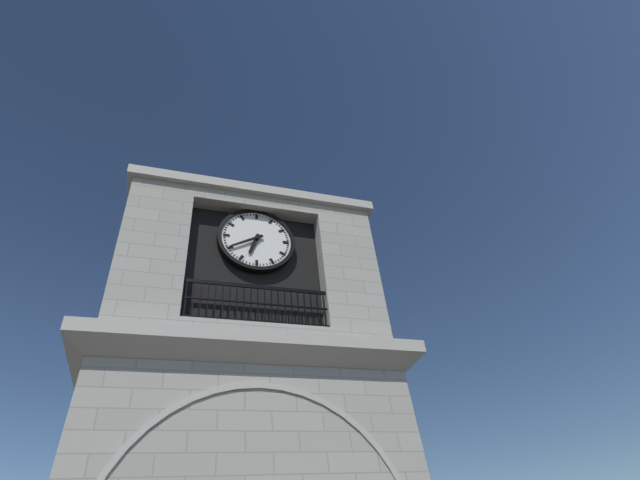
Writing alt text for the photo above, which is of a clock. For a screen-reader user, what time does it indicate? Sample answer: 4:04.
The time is 6:40
